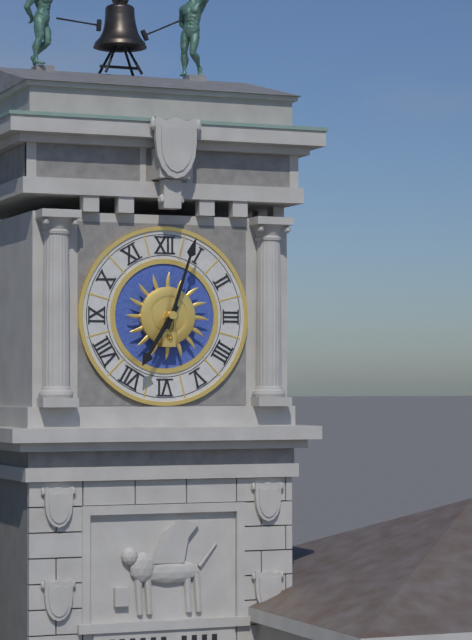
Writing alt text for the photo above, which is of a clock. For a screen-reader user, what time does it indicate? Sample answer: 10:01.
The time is 7:03
